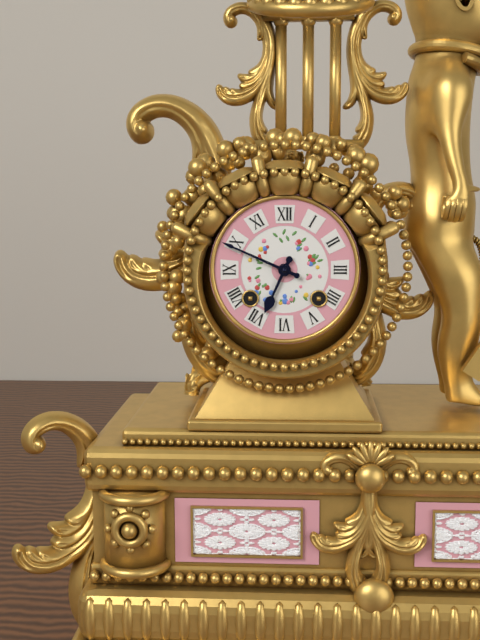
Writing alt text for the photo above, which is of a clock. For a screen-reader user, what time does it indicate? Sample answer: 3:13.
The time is 6:49
